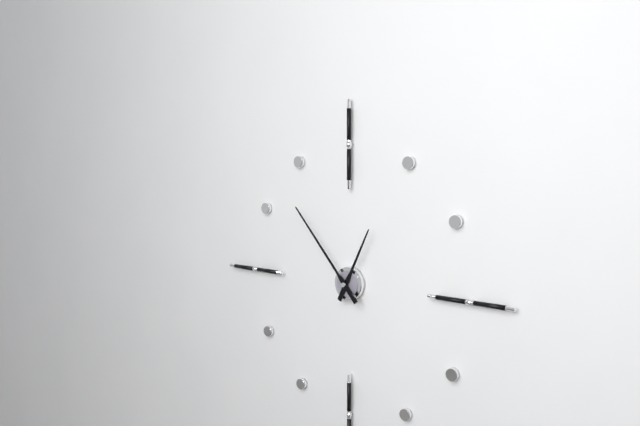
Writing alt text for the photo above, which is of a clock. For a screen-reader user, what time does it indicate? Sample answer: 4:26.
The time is 12:53
